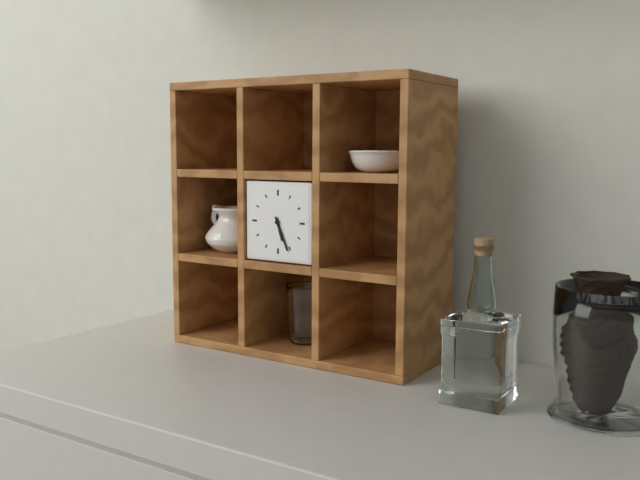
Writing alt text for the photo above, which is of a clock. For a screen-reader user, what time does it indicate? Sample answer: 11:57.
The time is 5:26
